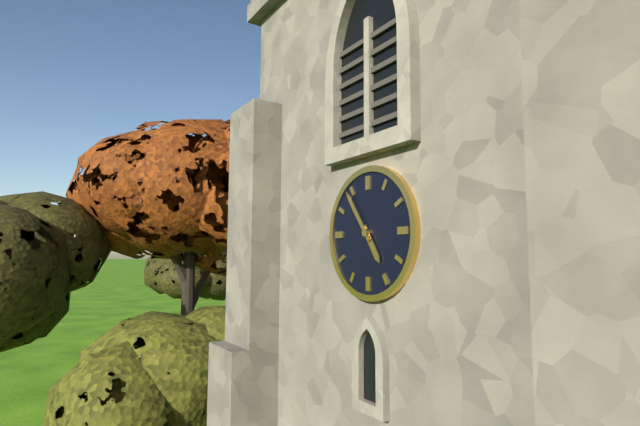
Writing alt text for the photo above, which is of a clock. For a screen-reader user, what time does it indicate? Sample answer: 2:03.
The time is 4:54
